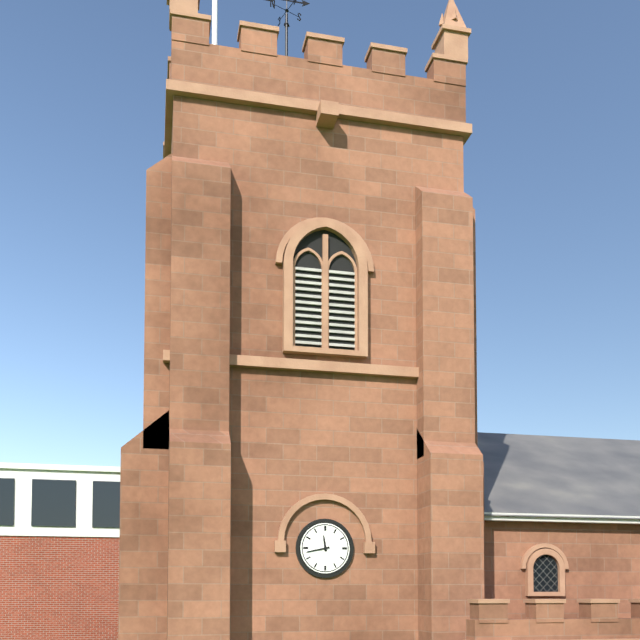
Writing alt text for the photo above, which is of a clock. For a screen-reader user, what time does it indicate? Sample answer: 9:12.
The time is 11:43
